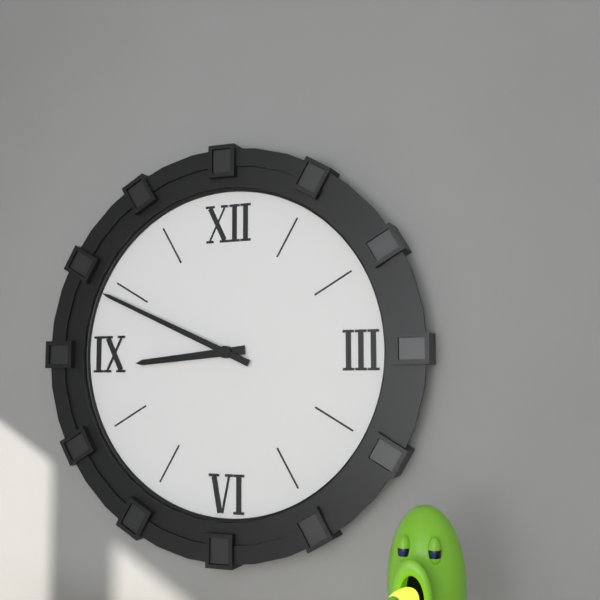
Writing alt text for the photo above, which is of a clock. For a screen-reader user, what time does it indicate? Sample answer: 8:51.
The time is 8:49
